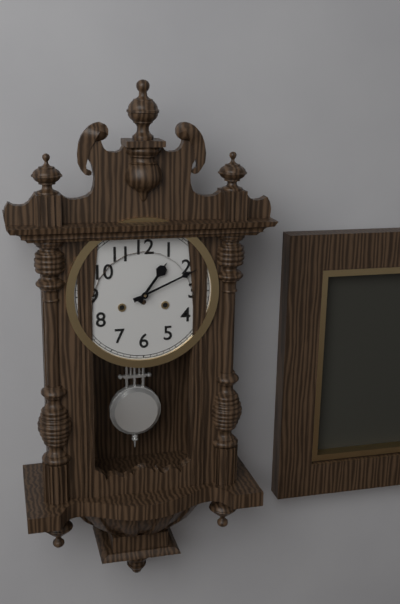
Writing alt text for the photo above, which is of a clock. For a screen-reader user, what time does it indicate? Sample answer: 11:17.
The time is 1:11
